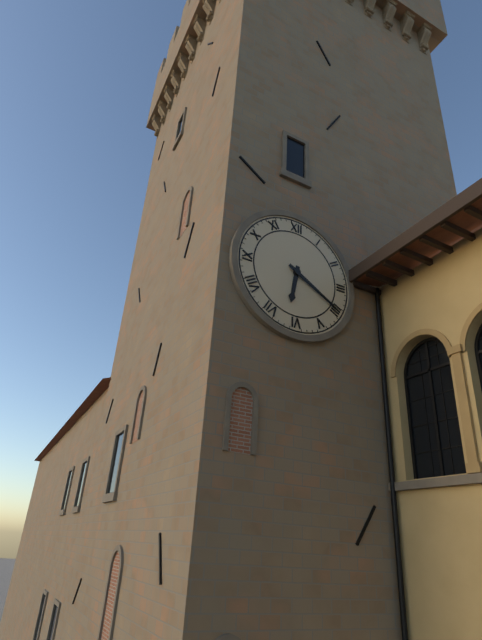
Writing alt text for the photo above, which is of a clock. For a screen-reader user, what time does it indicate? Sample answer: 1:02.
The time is 6:20
